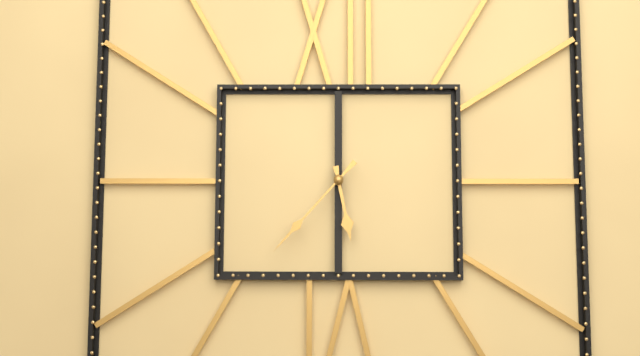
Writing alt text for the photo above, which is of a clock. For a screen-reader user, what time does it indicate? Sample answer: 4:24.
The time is 5:37
